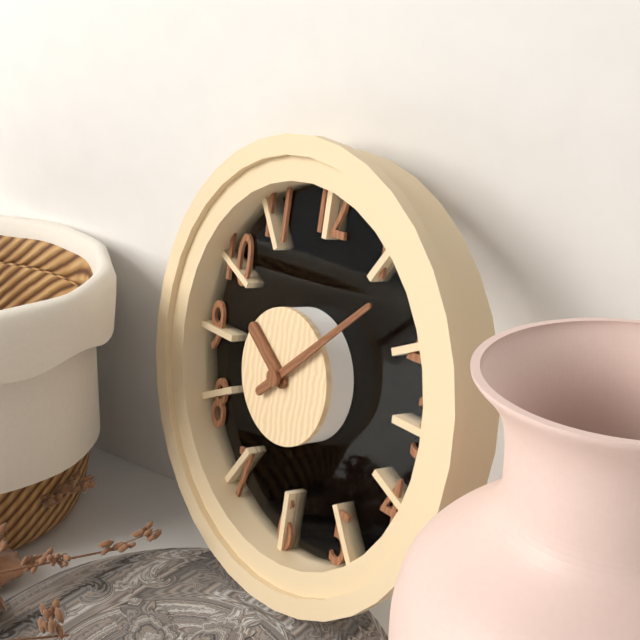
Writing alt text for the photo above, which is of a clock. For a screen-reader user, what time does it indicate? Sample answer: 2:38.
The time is 10:08
